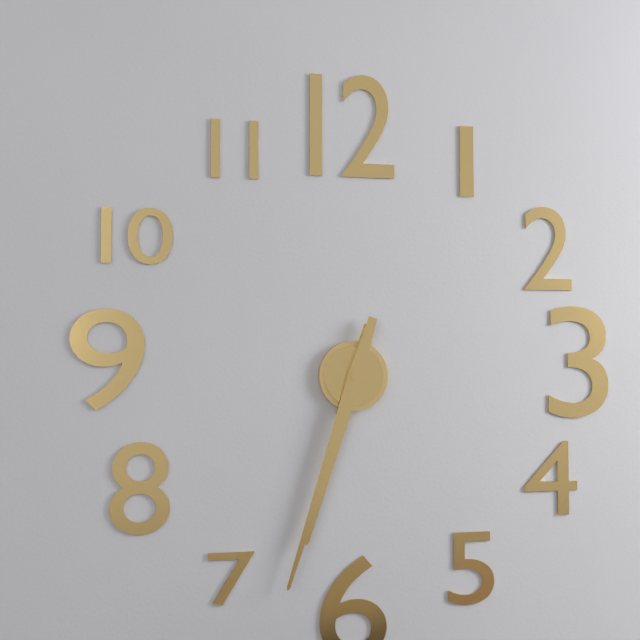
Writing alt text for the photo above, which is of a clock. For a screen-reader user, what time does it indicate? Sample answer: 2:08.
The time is 6:33
